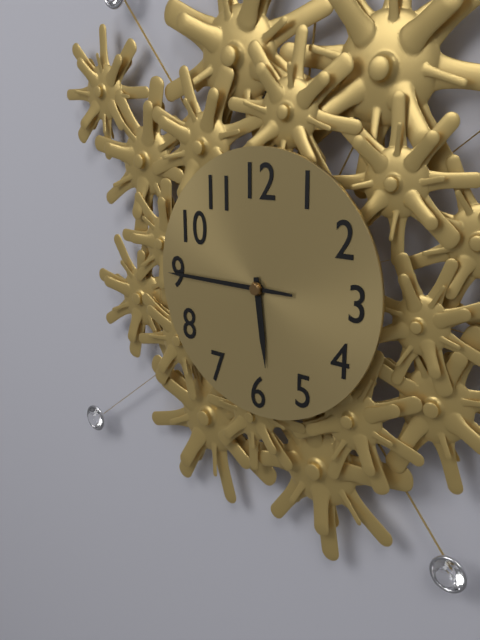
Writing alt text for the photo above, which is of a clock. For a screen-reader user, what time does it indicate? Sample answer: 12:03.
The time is 5:45
